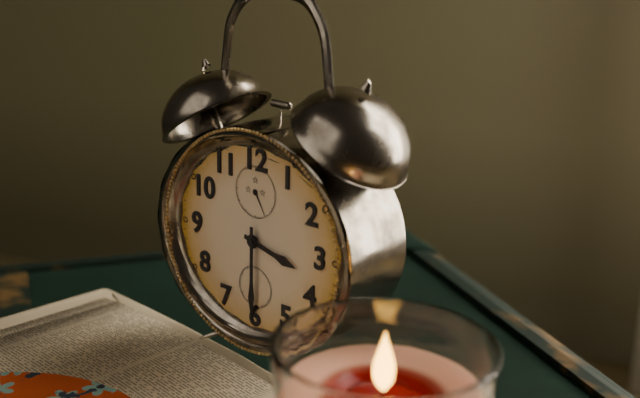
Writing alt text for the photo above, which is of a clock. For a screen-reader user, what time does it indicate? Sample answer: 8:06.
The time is 3:30
